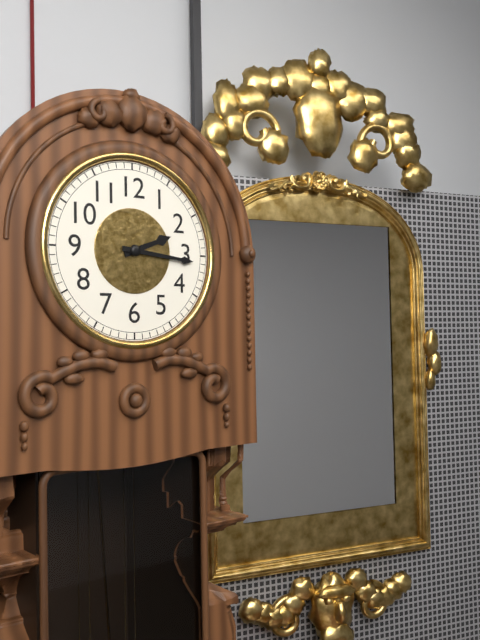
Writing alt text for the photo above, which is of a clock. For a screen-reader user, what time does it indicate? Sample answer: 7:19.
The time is 2:16
